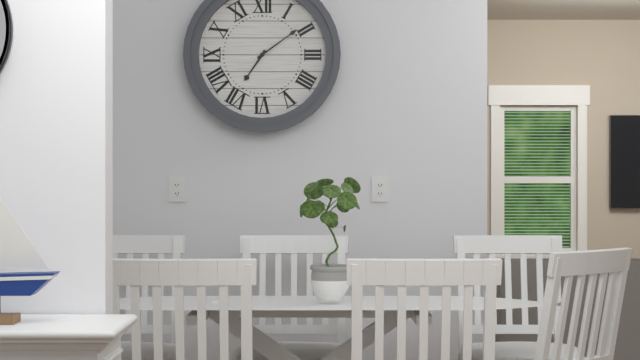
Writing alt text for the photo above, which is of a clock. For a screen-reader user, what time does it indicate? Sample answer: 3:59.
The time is 7:09
